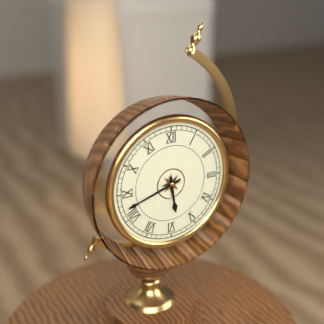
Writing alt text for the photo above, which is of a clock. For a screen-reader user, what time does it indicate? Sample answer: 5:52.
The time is 5:42
